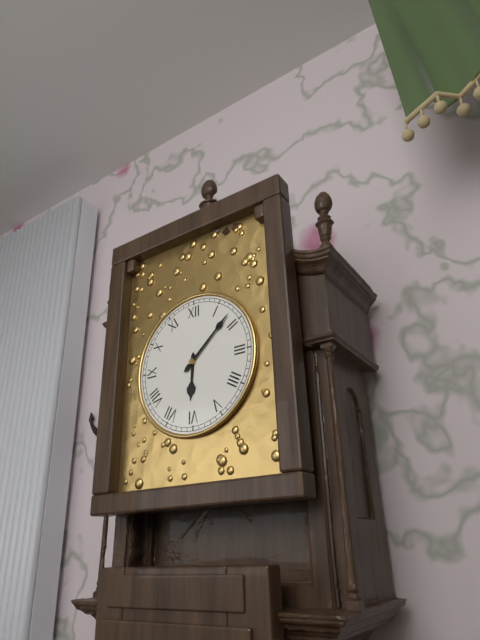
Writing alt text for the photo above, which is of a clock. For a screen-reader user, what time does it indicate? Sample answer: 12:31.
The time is 6:08
